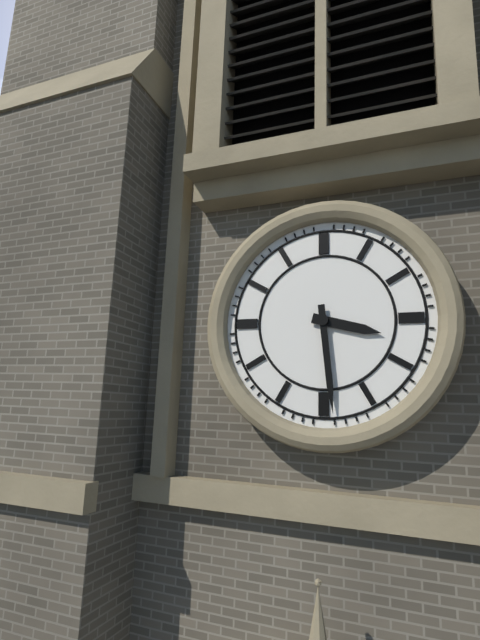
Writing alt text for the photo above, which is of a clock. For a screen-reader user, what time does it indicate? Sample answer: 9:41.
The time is 3:29
